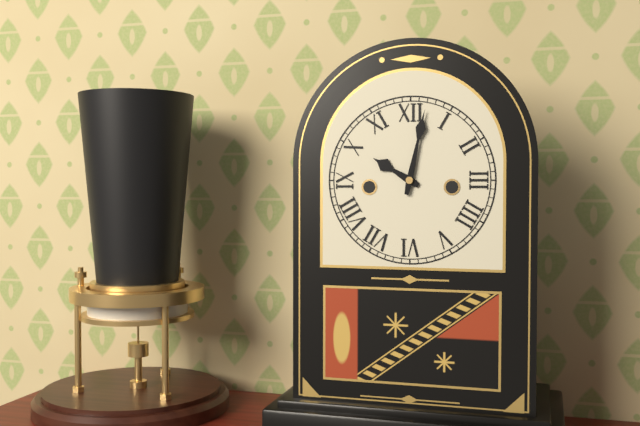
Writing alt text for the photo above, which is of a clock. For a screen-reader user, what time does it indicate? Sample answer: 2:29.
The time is 10:02
